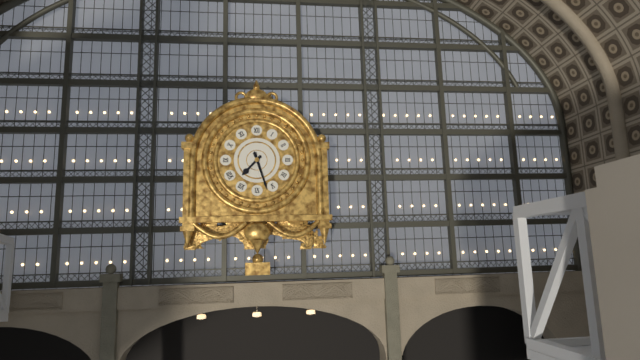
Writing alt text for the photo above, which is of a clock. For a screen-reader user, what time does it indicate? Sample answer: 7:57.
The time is 7:27
